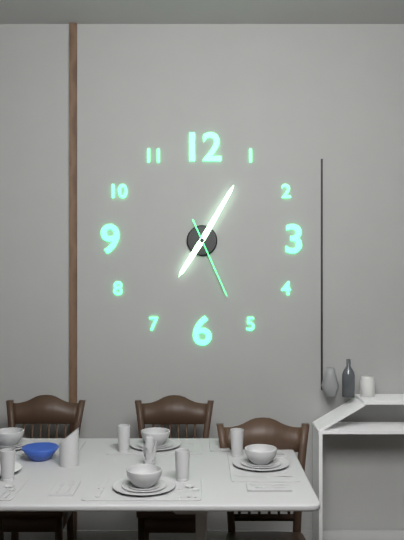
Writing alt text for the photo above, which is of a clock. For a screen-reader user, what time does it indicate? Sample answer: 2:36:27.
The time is 7:05:26
